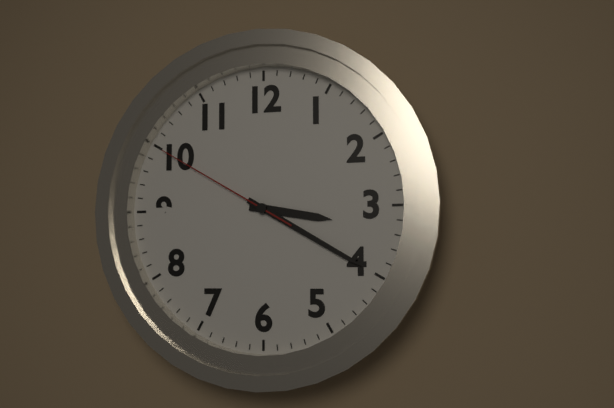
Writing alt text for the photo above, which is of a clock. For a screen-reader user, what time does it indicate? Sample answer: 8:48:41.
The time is 3:20:50
